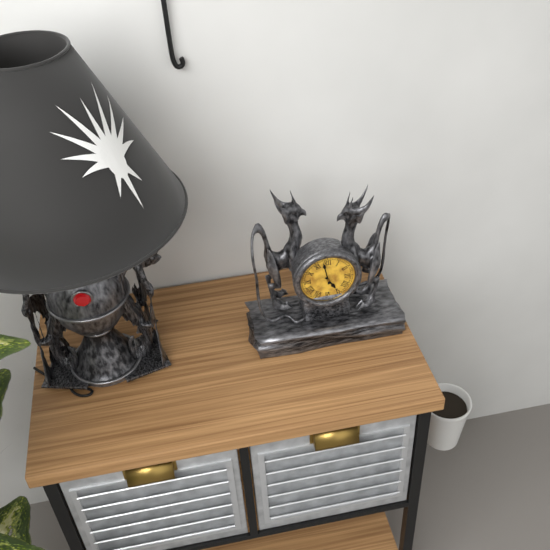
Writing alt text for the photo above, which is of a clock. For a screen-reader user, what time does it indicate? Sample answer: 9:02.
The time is 4:58
